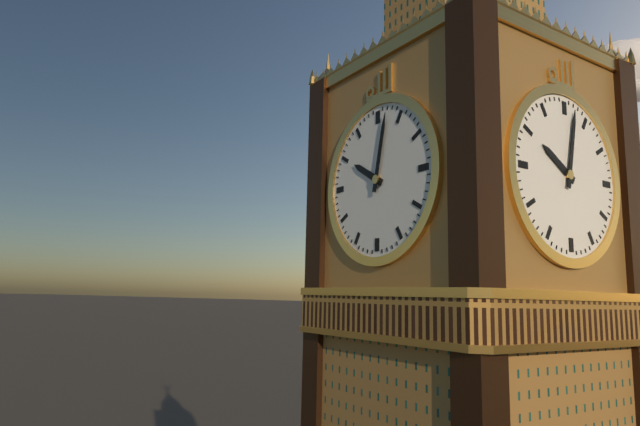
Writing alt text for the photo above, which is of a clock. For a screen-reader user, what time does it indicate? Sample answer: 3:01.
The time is 10:02
